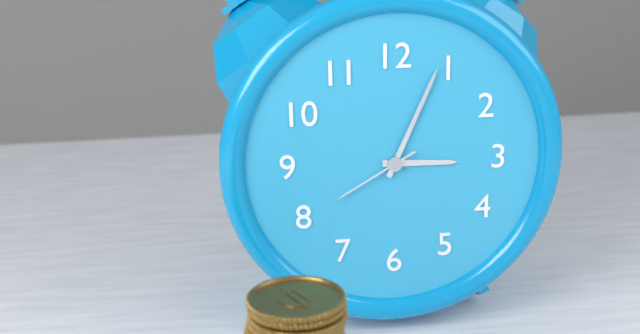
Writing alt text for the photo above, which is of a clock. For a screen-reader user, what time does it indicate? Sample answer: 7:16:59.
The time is 3:04:40
